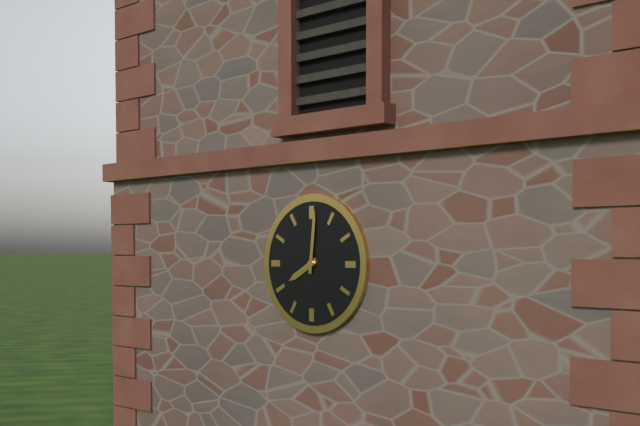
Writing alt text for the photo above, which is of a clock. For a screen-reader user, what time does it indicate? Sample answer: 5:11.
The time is 8:01
